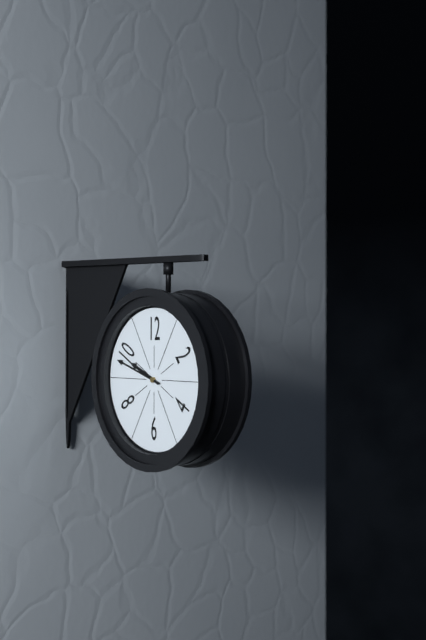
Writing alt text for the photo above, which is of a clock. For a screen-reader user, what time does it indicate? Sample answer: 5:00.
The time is 9:48
